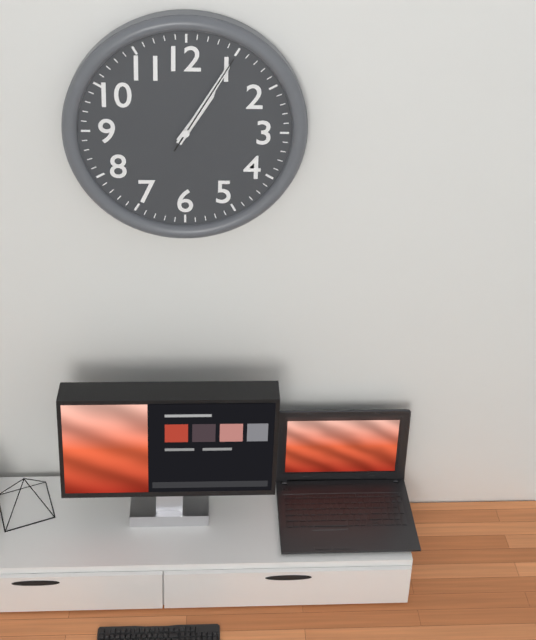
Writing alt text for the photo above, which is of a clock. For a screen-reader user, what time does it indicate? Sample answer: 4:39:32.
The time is 1:05:05
